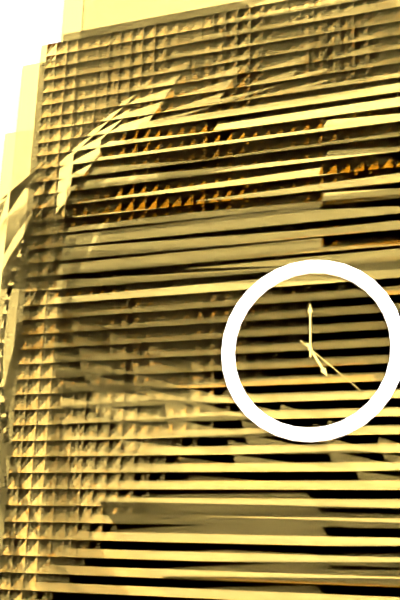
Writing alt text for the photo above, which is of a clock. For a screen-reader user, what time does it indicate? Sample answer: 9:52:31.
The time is 5:00:22
